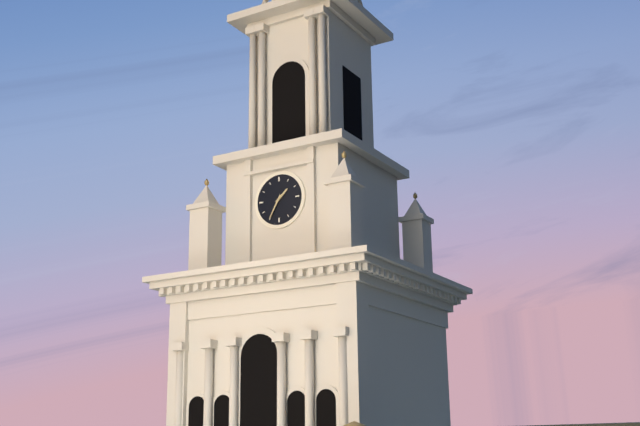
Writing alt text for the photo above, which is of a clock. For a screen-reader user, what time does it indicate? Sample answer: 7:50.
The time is 1:35
